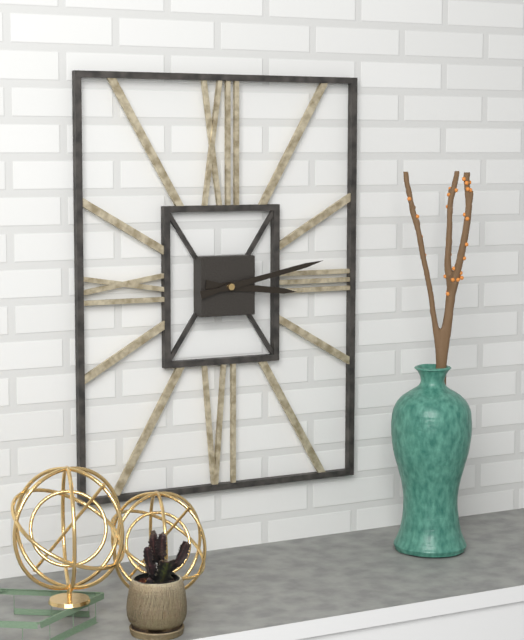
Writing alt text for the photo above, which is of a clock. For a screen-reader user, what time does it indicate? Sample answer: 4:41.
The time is 3:13
